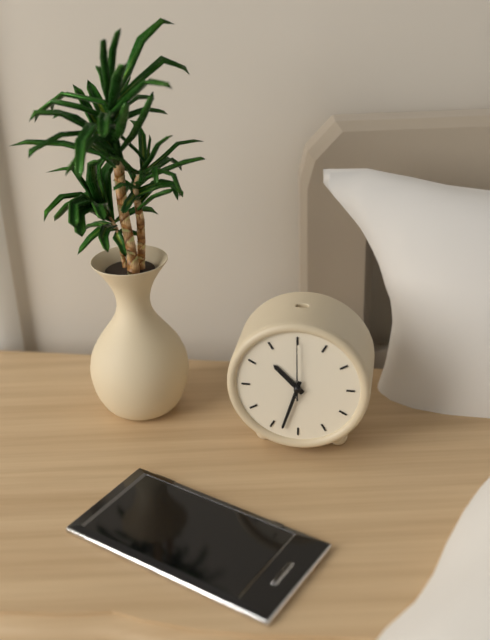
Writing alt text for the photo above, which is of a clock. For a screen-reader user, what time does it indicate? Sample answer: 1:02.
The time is 10:33
